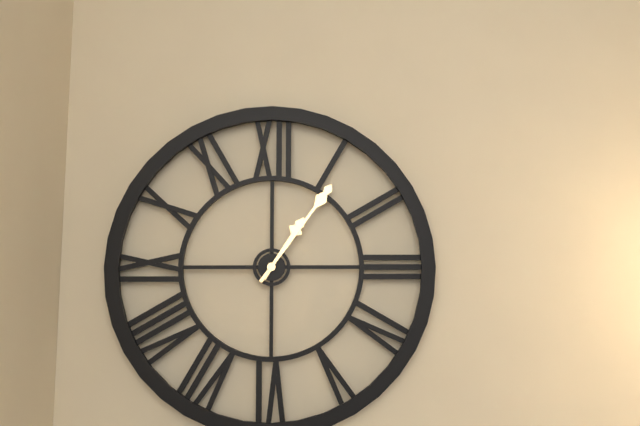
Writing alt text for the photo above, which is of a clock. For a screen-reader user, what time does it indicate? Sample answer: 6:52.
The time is 1:06
